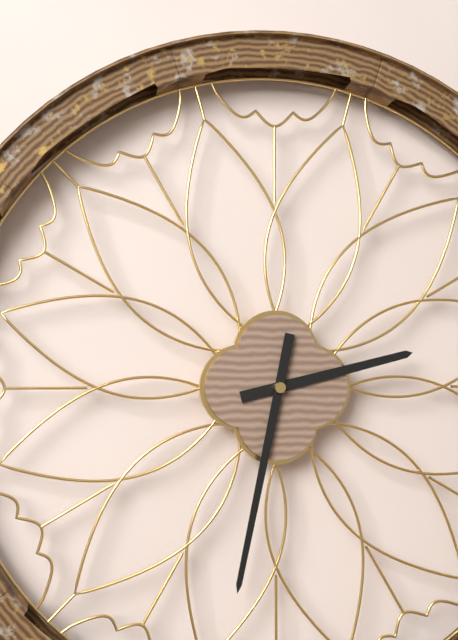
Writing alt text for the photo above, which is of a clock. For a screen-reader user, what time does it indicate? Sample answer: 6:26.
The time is 2:32
